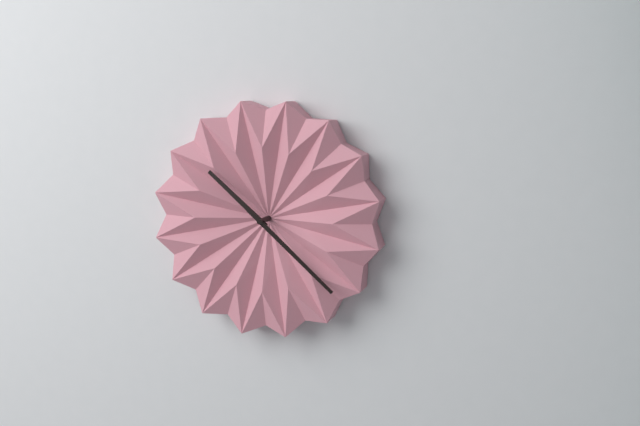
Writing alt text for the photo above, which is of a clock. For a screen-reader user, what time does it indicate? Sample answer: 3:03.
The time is 10:22
